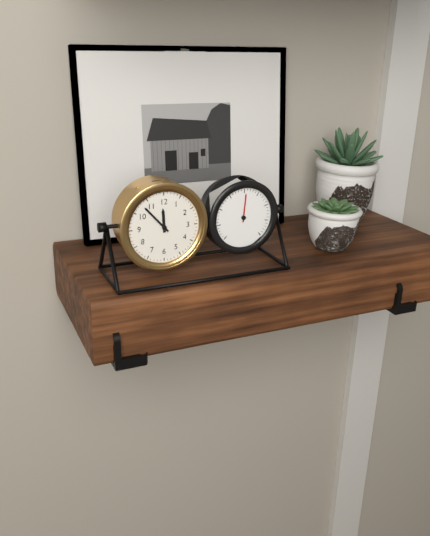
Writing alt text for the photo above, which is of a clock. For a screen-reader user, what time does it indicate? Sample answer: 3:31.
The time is 11:53
